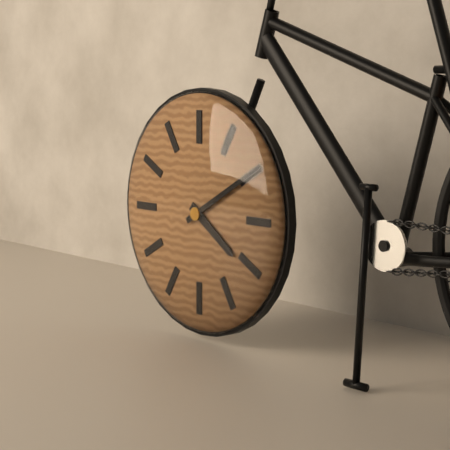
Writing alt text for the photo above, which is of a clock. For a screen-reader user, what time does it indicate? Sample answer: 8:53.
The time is 4:10
